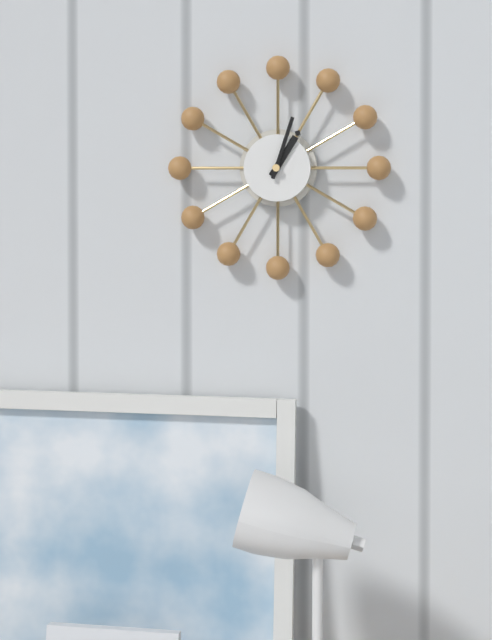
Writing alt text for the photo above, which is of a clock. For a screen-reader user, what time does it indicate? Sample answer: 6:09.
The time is 1:03
